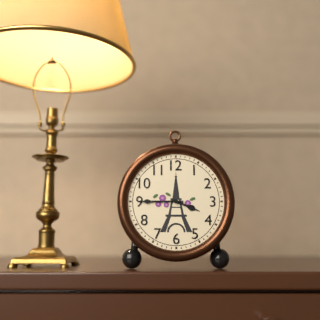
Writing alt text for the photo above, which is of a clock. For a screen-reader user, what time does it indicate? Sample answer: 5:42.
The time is 3:45
